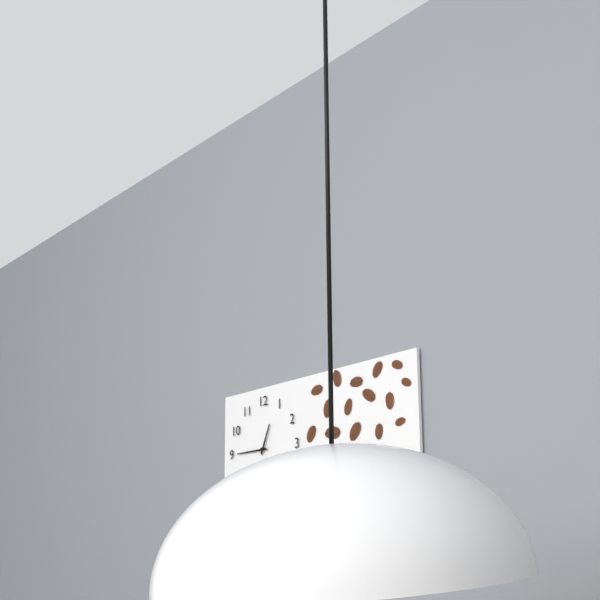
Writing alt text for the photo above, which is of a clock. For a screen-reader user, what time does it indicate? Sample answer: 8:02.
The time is 12:45
